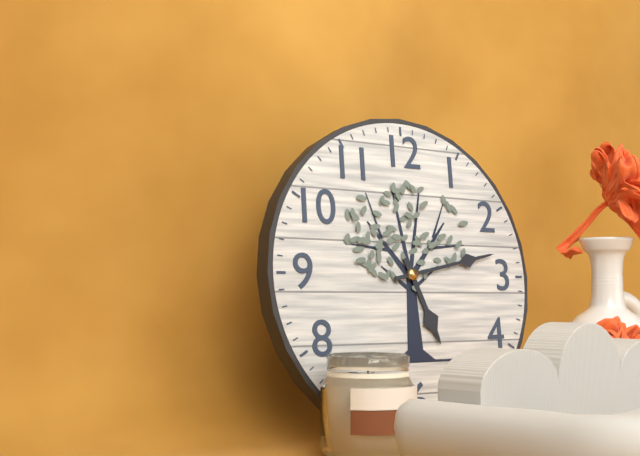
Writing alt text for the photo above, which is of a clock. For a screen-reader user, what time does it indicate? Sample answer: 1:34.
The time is 5:13
